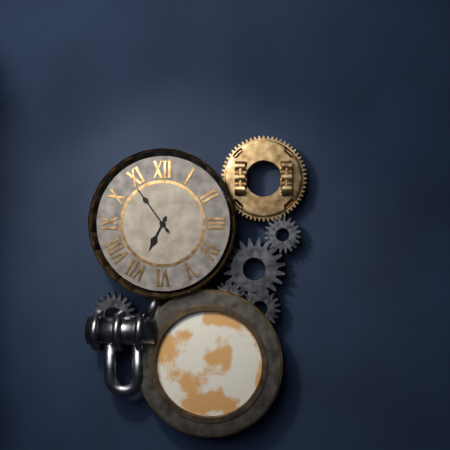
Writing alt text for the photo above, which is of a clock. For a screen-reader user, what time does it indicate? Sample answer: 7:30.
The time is 6:54
